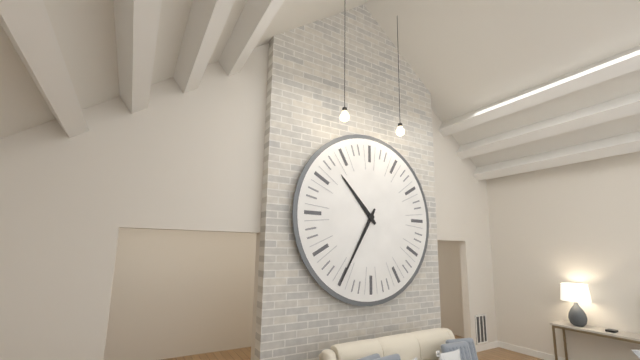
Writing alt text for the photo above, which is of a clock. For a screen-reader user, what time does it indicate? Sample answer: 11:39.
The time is 10:35
